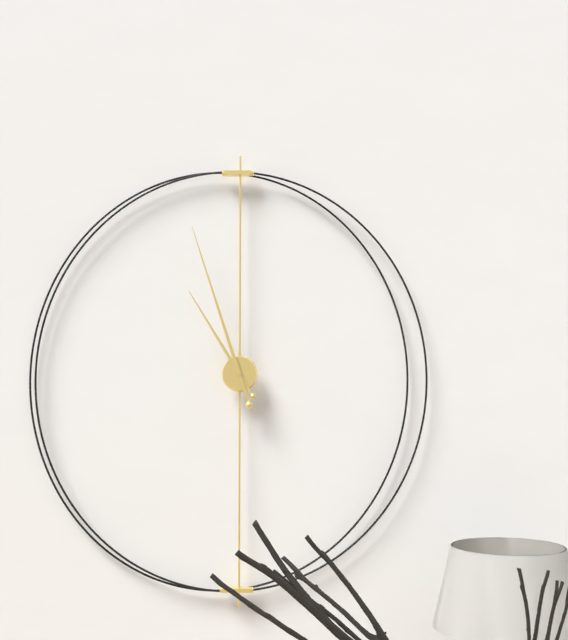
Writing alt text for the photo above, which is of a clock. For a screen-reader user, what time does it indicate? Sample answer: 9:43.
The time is 10:57
